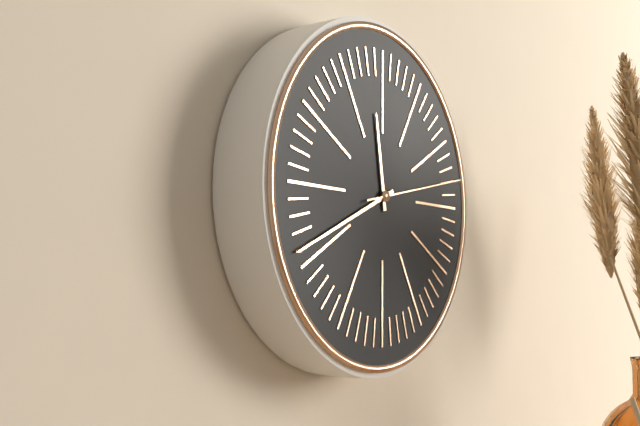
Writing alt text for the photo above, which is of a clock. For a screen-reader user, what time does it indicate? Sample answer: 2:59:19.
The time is 11:41:13
